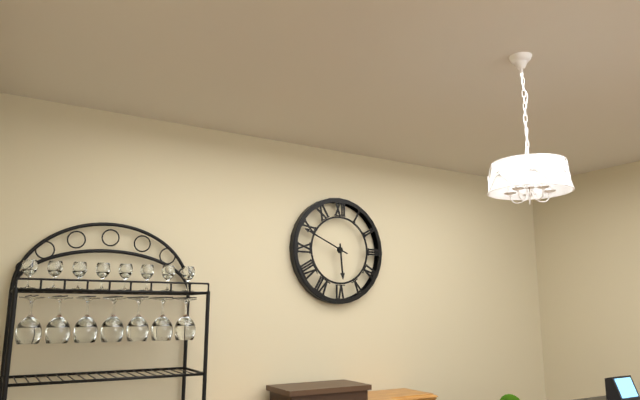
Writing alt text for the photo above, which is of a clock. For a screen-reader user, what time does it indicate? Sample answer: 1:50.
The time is 5:49
